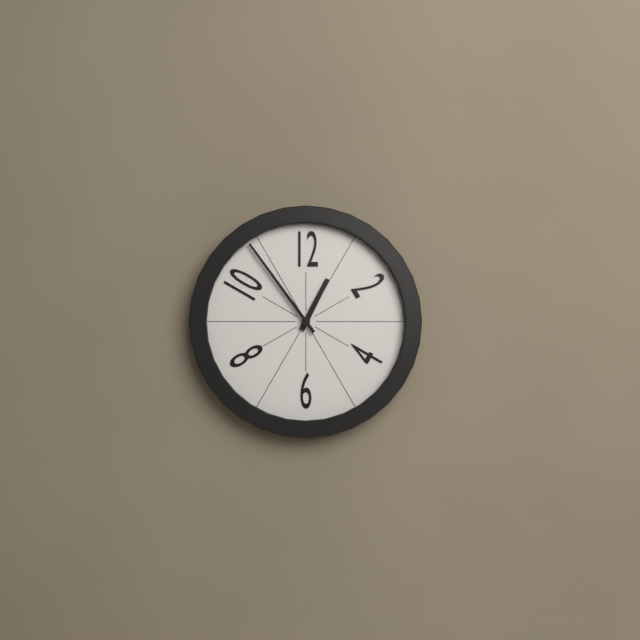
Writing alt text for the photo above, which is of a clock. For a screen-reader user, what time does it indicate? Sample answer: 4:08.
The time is 12:54
